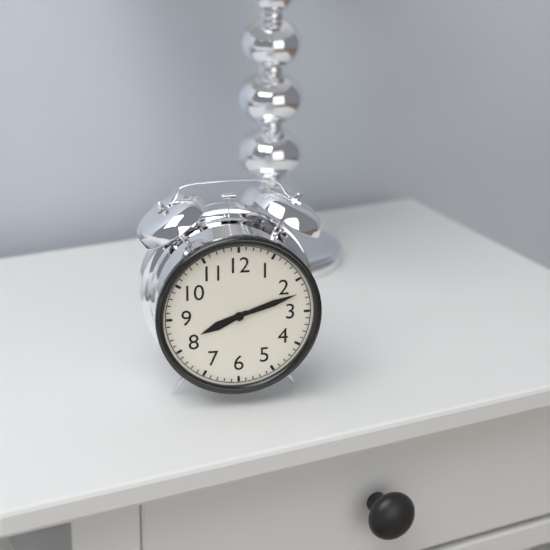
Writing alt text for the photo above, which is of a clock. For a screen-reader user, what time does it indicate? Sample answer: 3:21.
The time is 8:12
